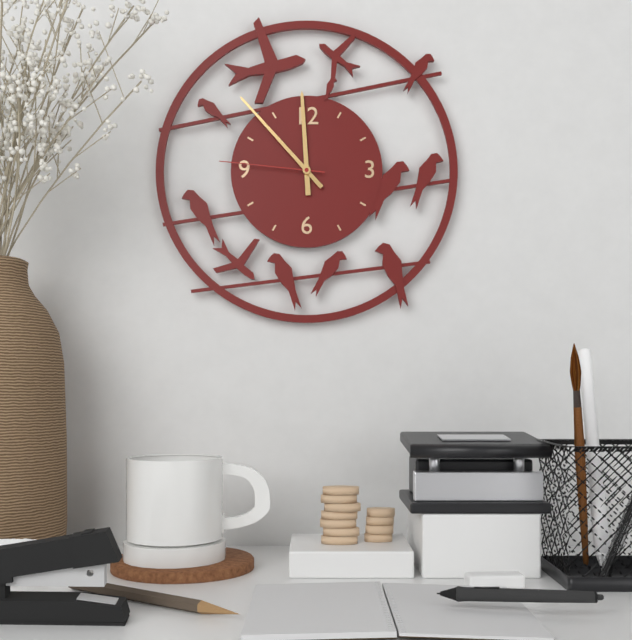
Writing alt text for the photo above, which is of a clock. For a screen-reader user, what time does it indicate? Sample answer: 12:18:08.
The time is 11:53:46
